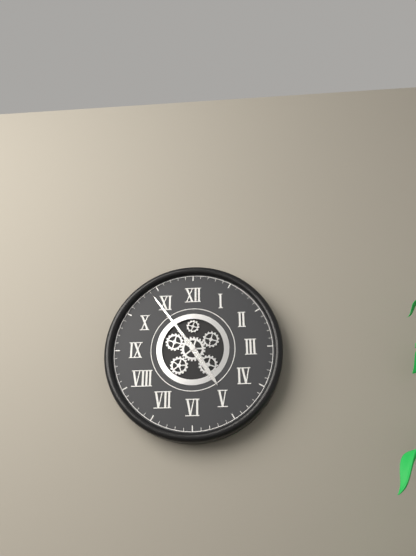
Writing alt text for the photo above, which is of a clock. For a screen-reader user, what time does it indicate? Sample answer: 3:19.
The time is 4:54
